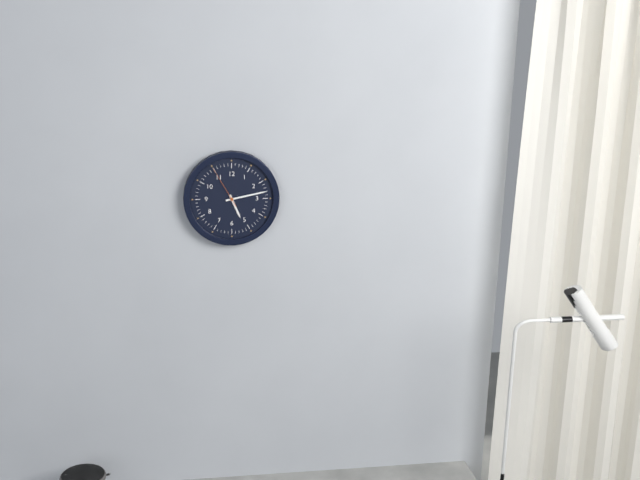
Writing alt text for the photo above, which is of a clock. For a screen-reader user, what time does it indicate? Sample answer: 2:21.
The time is 5:13
